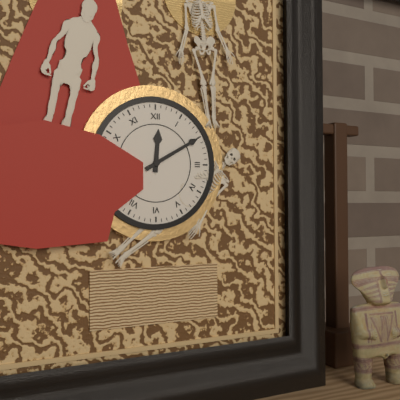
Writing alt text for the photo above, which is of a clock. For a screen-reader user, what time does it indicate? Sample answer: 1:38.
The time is 12:10
